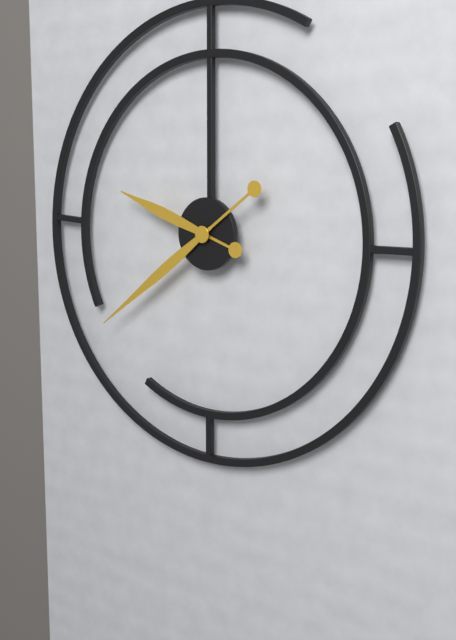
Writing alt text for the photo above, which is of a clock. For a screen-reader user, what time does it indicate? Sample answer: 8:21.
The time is 9:39
